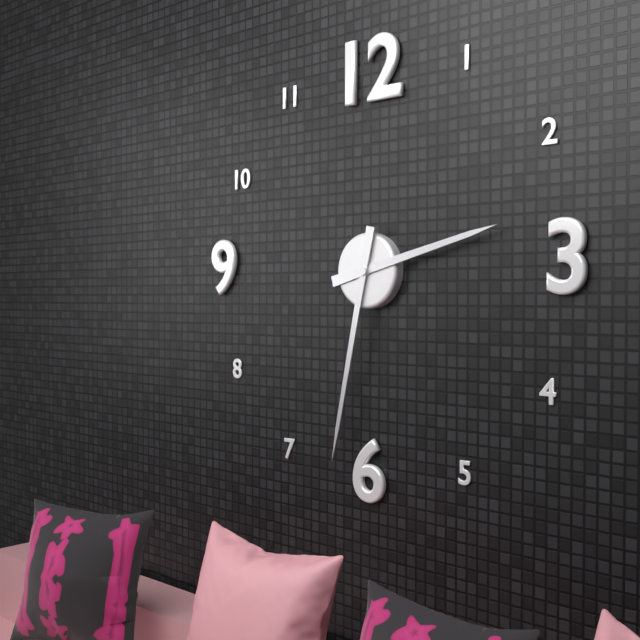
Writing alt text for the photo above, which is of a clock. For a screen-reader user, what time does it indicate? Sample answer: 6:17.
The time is 2:32
